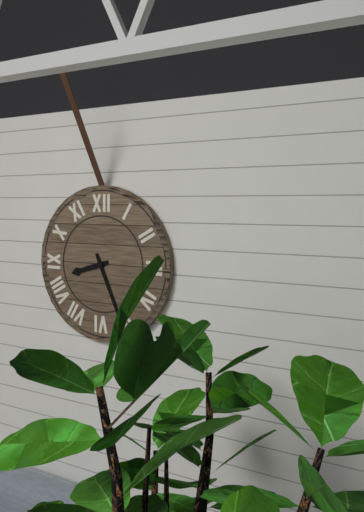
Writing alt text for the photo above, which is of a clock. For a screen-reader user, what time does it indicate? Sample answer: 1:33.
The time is 8:26
